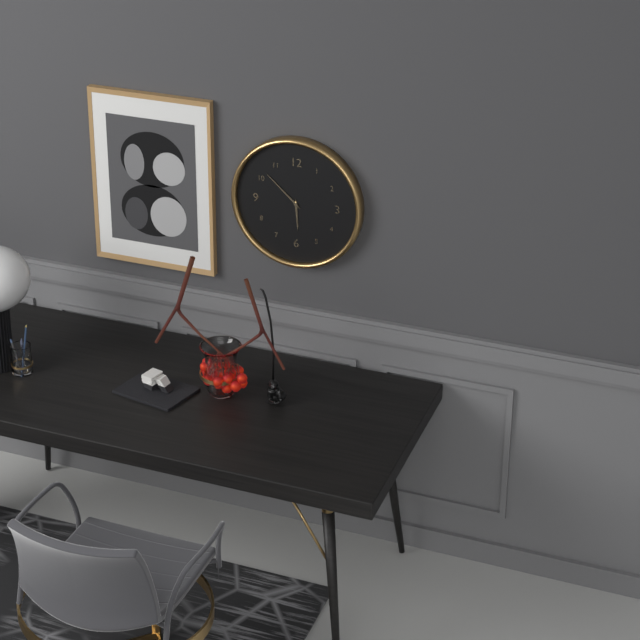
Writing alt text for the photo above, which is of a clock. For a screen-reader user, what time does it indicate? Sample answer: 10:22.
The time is 5:52
